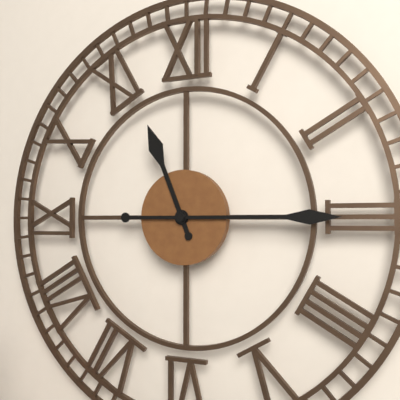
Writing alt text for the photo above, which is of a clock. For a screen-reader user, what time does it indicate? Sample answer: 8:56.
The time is 11:15
